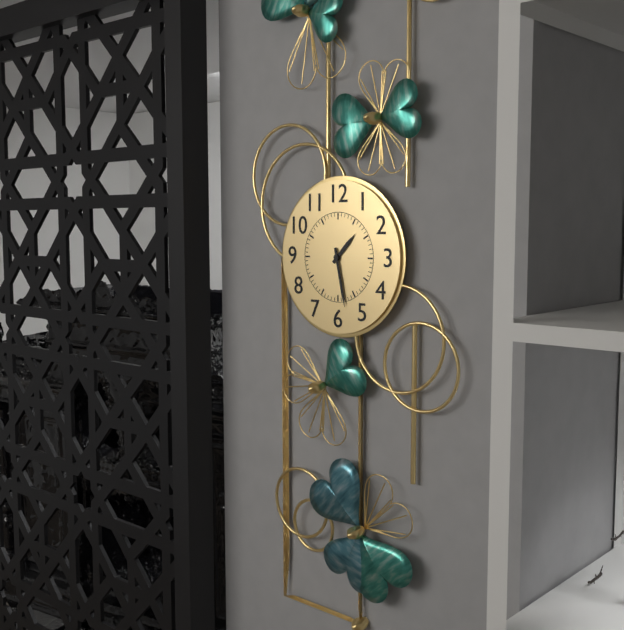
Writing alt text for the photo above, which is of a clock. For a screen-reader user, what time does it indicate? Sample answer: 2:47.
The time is 1:28
